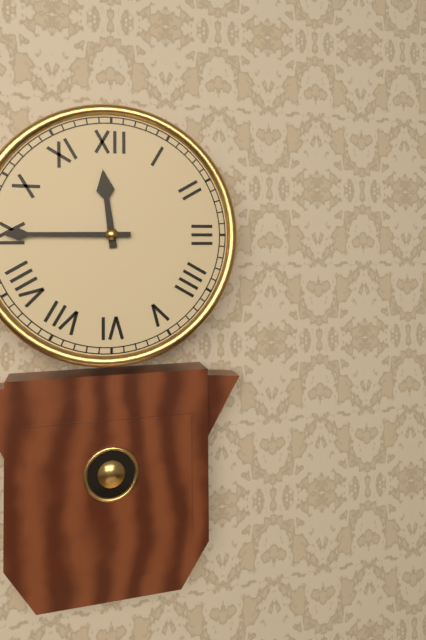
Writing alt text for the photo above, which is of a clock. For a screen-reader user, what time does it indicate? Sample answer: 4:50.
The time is 11:45
